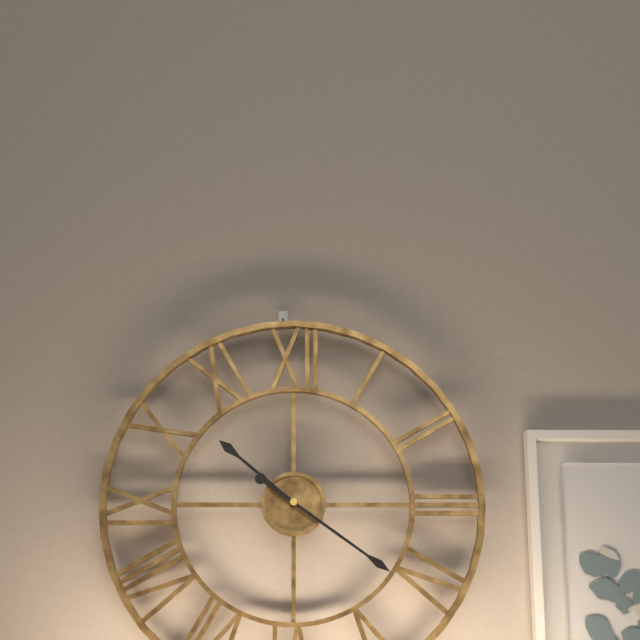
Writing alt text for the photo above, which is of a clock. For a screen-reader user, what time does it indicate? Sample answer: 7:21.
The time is 10:21
